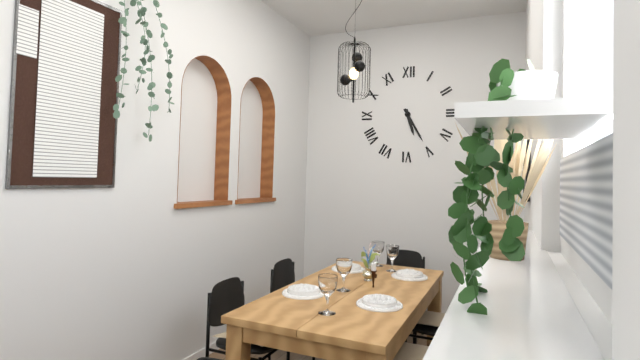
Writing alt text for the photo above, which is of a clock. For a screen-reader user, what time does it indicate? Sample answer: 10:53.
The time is 5:25
